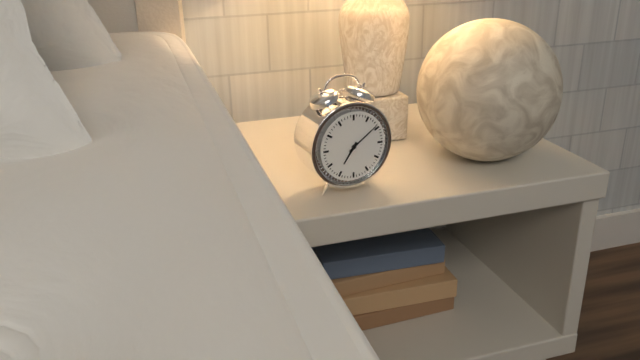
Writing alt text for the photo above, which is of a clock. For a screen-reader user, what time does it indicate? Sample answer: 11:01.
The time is 7:09
